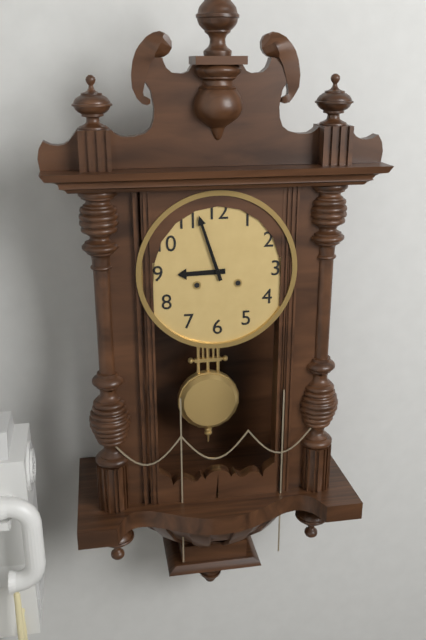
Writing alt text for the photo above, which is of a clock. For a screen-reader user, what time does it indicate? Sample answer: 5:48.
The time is 8:57
